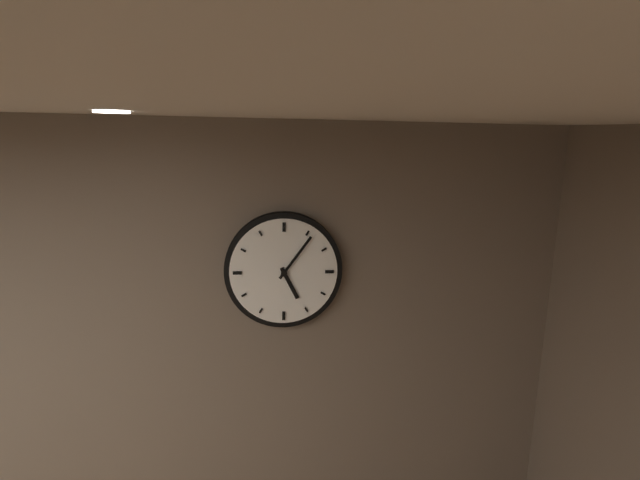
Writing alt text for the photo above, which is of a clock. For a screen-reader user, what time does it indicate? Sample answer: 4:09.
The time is 5:06
